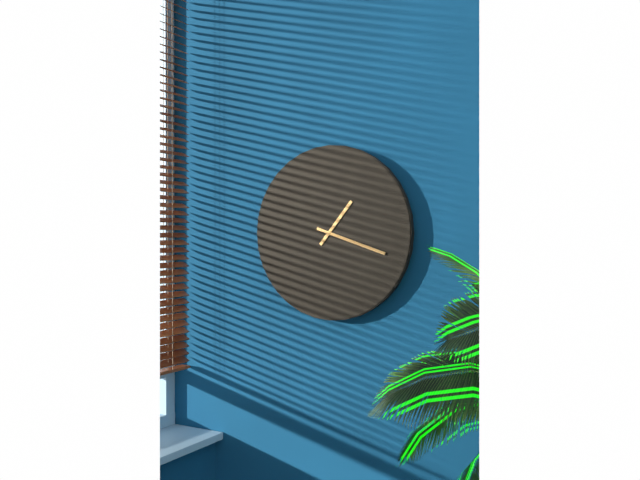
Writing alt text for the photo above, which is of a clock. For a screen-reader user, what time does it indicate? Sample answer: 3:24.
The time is 1:18
